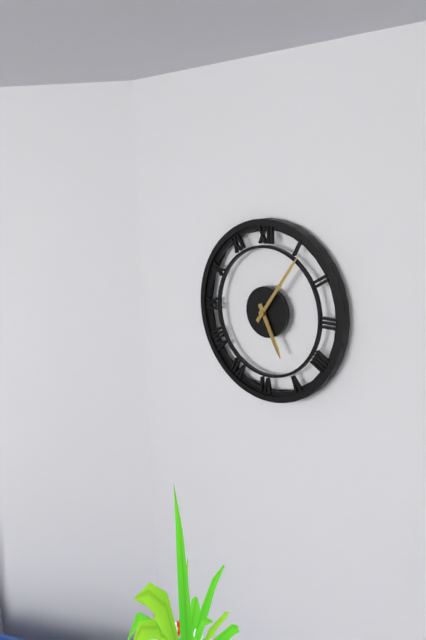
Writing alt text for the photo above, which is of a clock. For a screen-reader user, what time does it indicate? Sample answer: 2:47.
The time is 5:06
